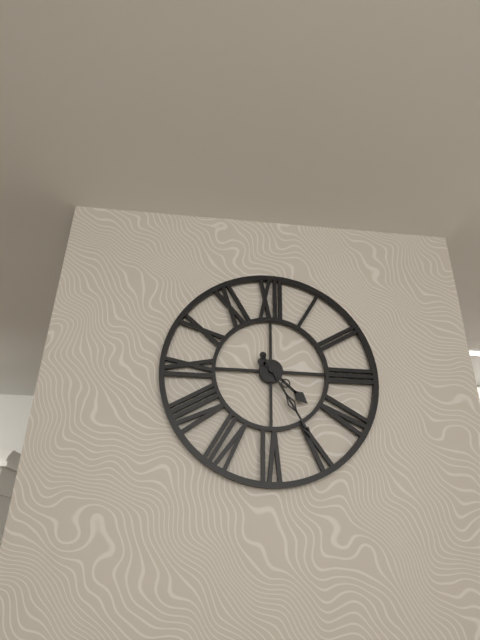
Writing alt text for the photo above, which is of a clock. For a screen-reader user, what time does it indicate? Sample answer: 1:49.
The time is 4:25
